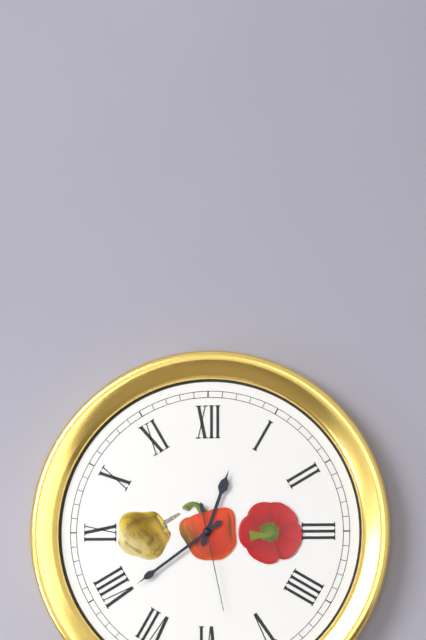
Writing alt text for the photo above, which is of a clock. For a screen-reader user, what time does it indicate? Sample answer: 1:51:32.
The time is 12:39:28
